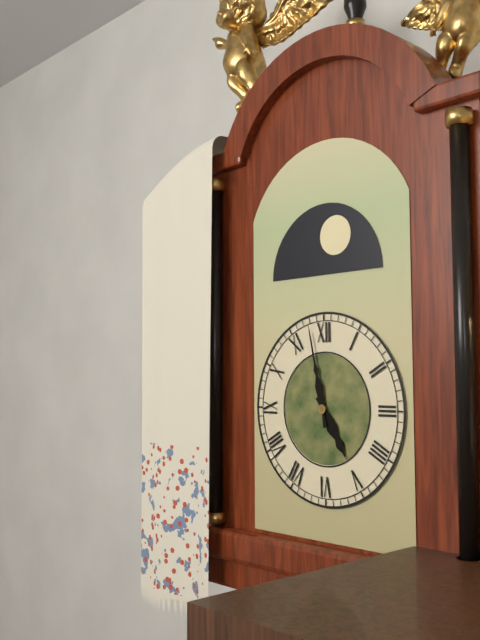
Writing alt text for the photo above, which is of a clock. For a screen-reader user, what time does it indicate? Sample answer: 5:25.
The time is 4:58
